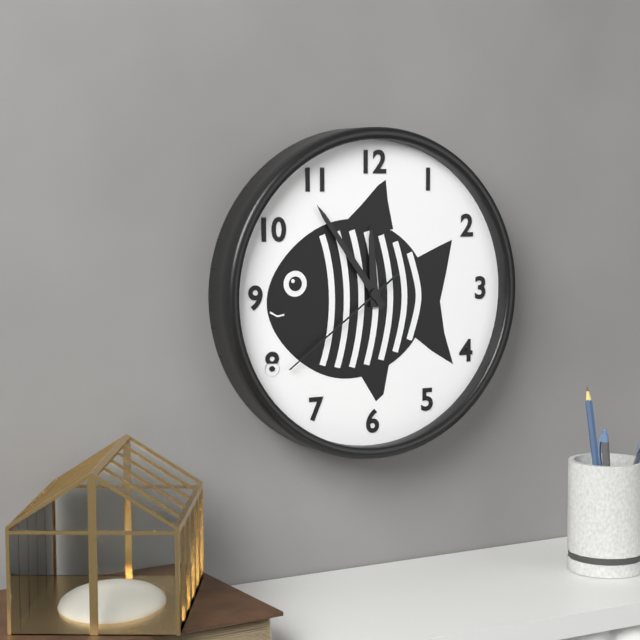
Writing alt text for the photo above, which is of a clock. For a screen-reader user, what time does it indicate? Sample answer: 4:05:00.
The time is 11:54:39
